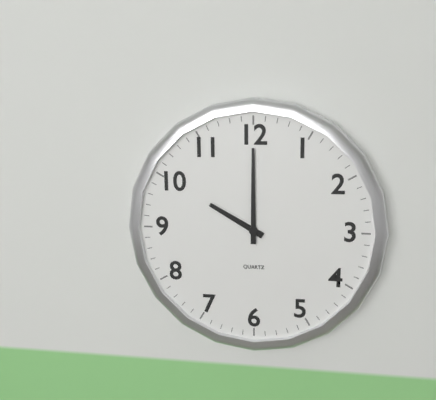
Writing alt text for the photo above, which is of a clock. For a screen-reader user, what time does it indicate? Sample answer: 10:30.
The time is 10:00
